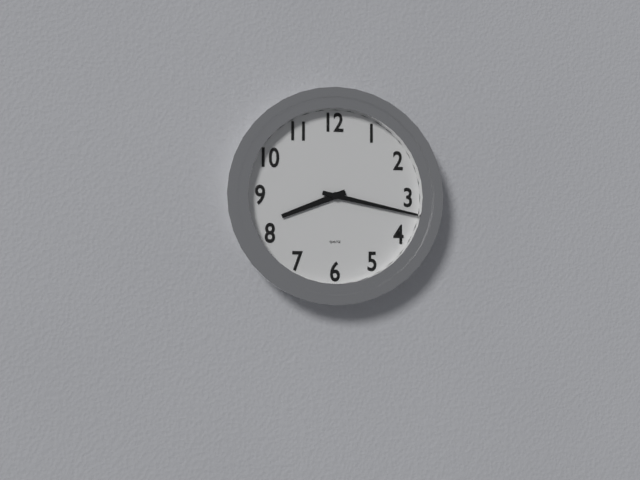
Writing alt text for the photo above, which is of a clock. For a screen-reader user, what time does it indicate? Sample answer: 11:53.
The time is 8:17
